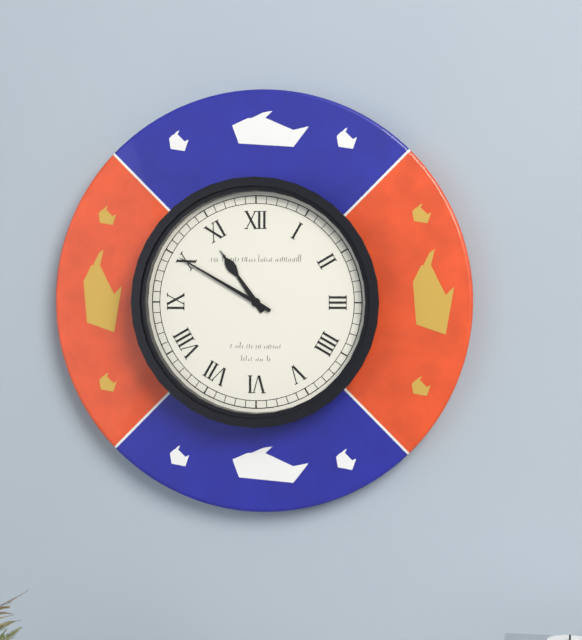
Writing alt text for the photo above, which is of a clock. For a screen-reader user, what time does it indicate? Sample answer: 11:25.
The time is 10:50
